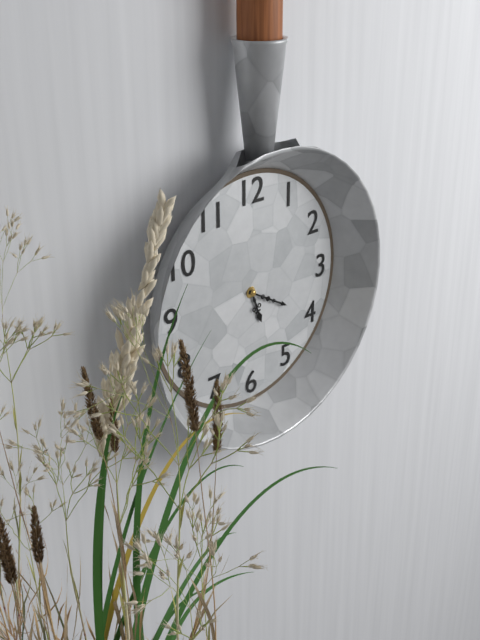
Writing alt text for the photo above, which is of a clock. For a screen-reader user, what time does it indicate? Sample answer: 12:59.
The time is 5:20
